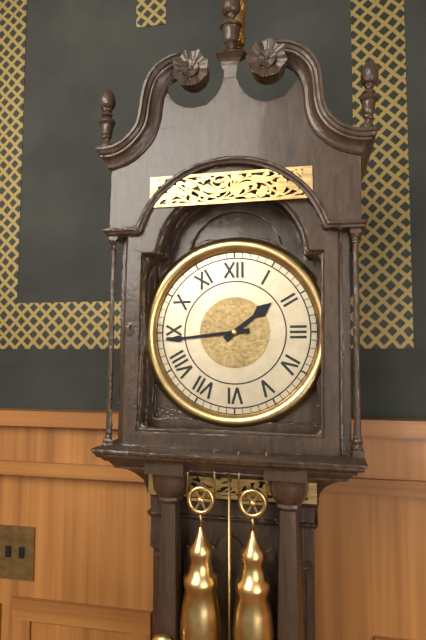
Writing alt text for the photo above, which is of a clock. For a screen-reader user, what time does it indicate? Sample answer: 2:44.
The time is 1:44
